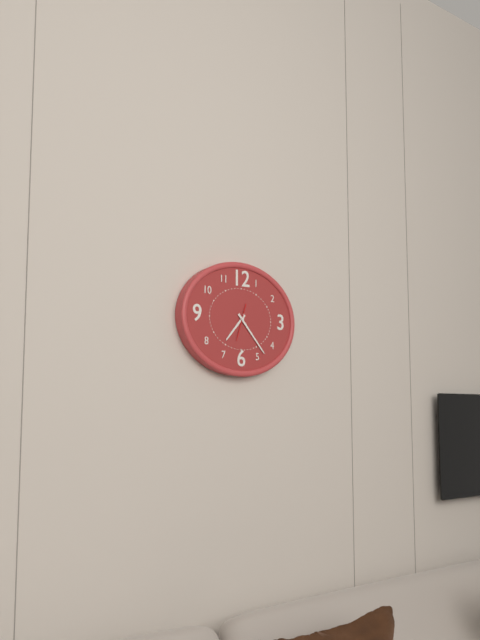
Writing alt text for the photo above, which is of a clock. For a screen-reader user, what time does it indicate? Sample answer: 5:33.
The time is 7:23
